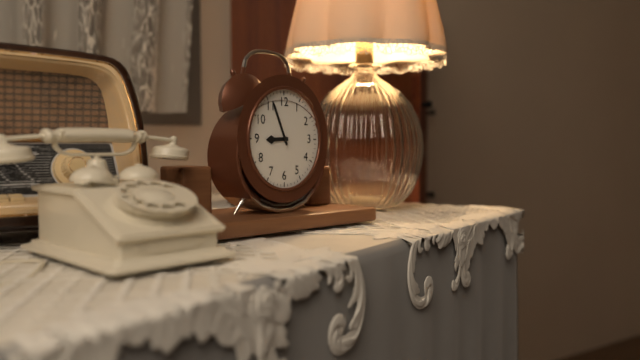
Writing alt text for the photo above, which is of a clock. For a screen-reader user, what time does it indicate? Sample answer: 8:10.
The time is 8:56
